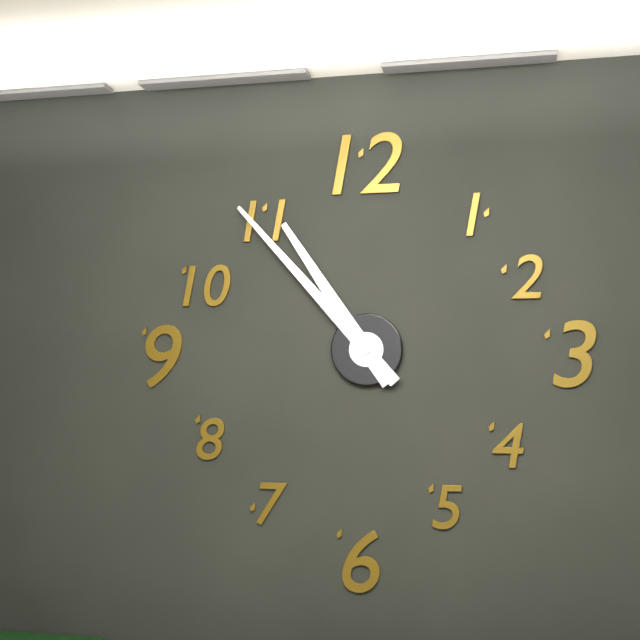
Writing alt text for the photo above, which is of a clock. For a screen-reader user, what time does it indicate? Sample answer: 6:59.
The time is 10:53
